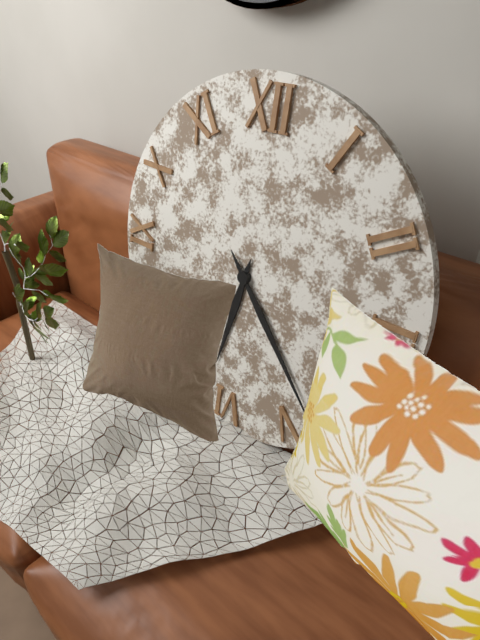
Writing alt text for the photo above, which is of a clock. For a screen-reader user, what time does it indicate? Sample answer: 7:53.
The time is 6:23
